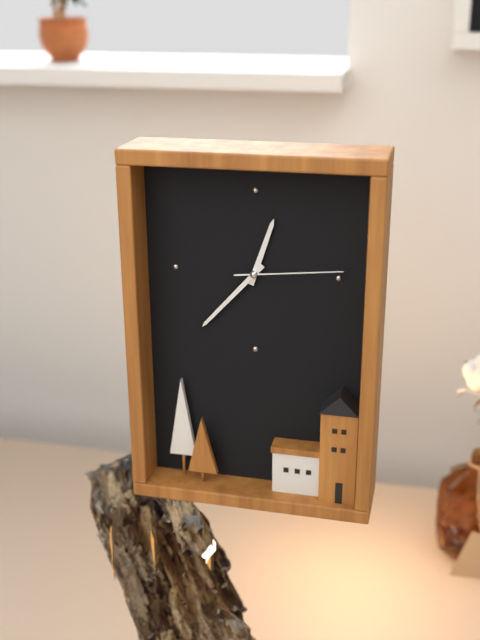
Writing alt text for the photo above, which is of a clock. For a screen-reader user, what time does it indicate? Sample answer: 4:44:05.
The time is 12:37:14
